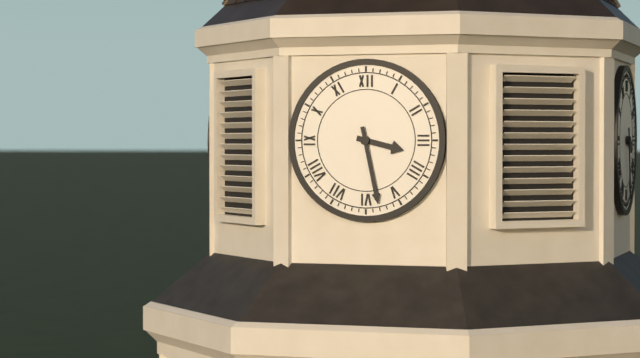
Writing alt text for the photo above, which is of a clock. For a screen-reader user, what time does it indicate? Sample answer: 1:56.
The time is 3:28
